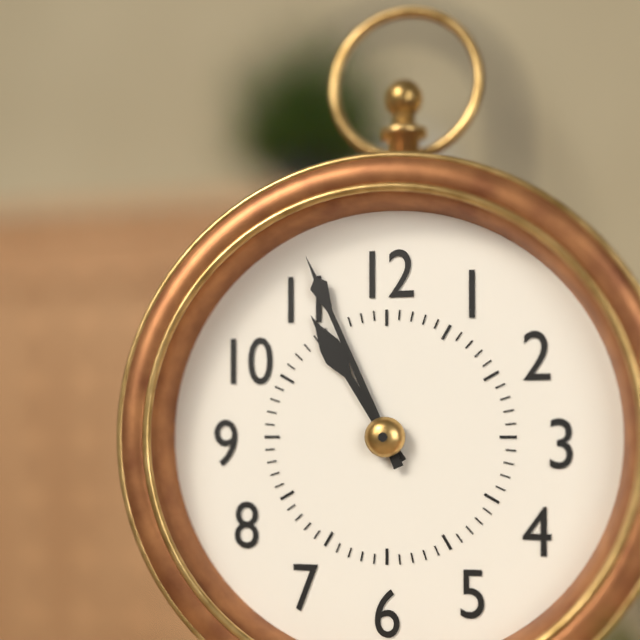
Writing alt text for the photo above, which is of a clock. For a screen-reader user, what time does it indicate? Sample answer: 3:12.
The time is 10:56
